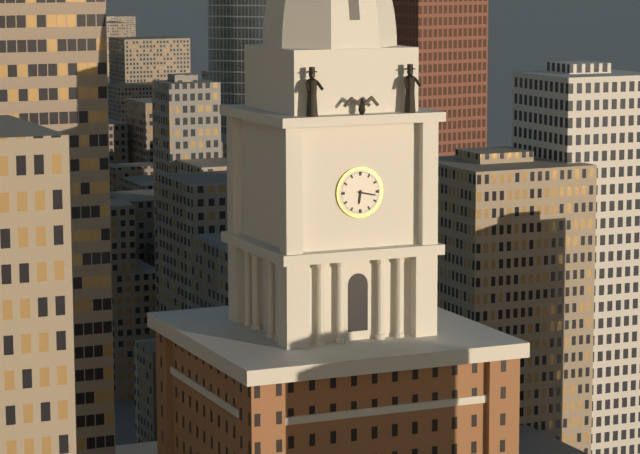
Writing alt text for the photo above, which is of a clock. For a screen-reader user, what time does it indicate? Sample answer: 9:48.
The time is 6:17
